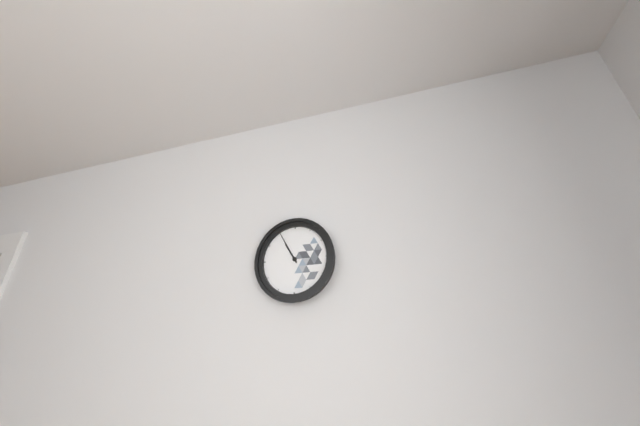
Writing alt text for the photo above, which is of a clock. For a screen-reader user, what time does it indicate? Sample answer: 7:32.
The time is 10:55
